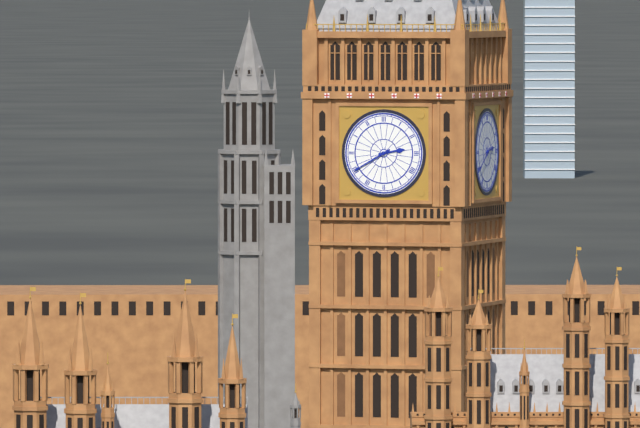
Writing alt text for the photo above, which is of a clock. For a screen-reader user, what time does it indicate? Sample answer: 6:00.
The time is 2:40
